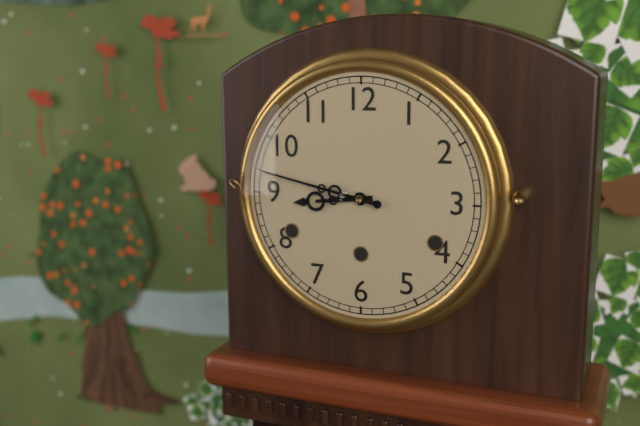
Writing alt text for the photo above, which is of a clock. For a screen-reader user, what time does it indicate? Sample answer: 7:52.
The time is 8:47
